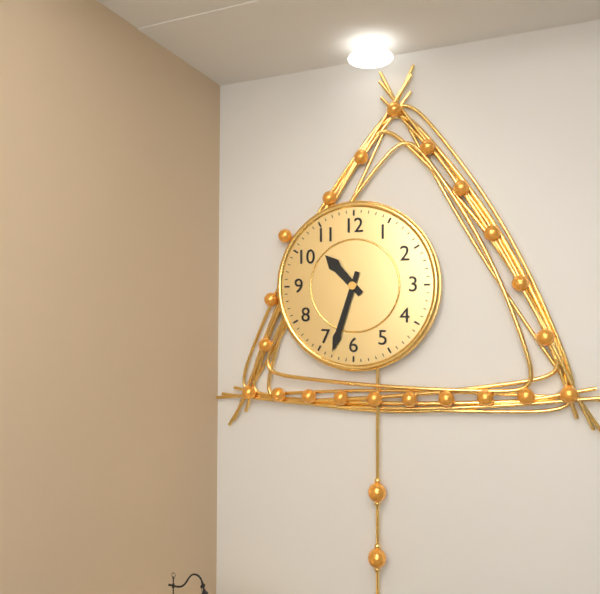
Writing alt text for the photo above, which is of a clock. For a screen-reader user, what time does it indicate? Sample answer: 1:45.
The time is 10:33
